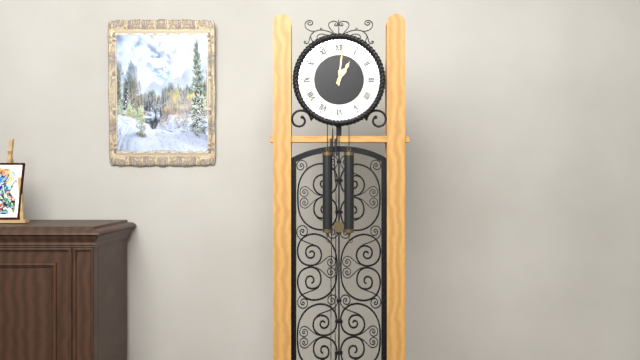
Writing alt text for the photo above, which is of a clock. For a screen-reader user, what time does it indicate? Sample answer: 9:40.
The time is 1:01
